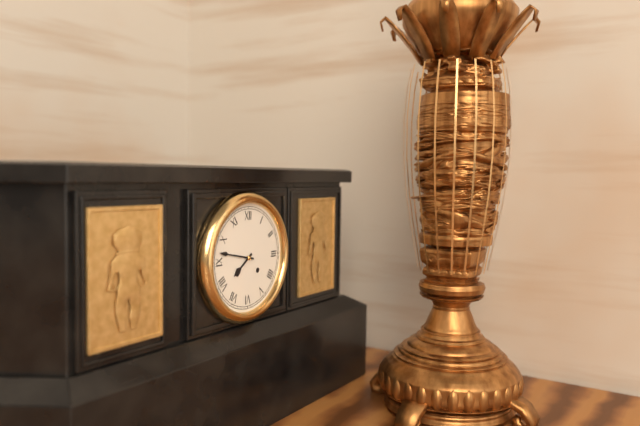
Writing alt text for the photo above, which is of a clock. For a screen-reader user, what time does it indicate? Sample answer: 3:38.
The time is 7:47
